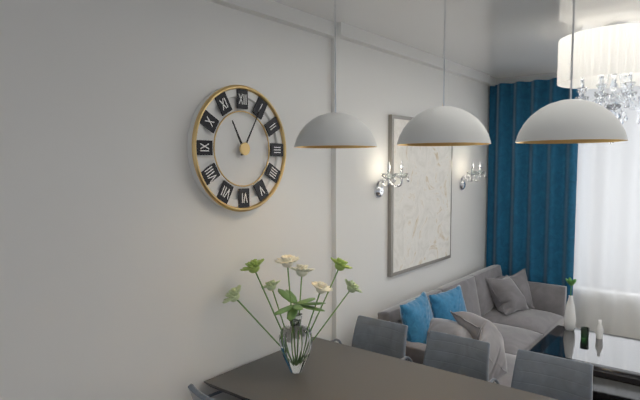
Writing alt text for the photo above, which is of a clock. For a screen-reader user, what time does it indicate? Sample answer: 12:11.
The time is 11:05
